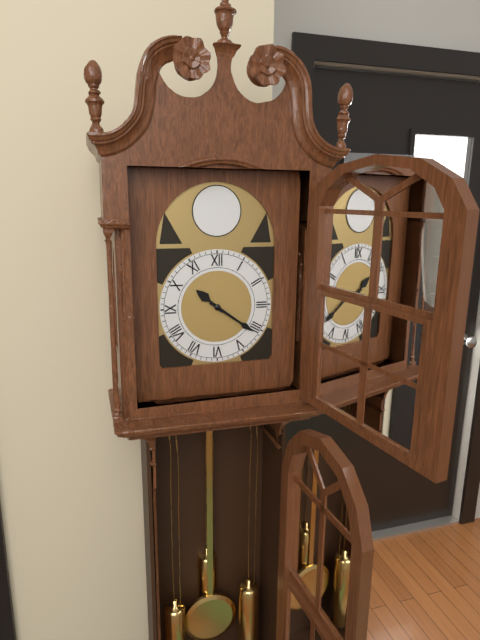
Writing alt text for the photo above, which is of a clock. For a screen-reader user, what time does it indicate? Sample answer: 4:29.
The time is 10:21
